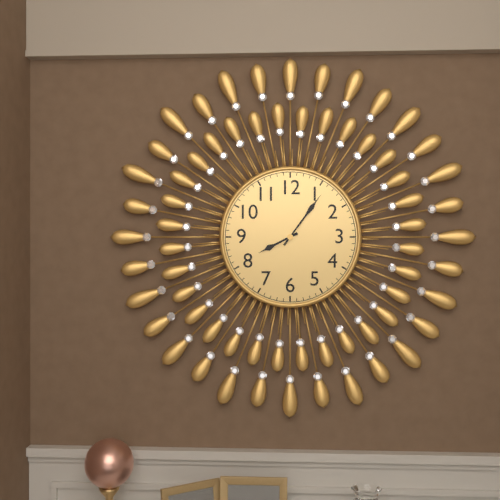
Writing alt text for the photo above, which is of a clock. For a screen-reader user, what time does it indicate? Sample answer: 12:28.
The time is 8:06
